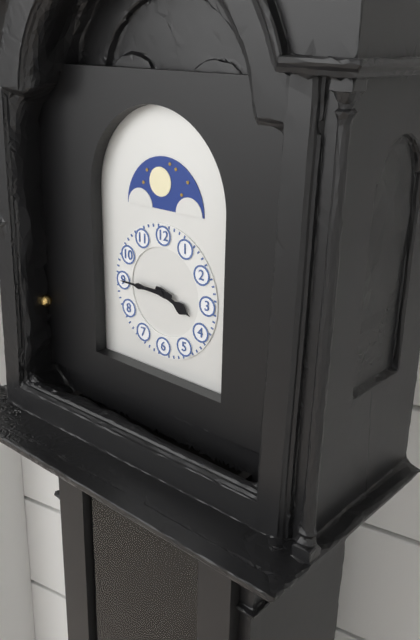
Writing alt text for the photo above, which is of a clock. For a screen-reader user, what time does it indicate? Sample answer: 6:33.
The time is 3:45
